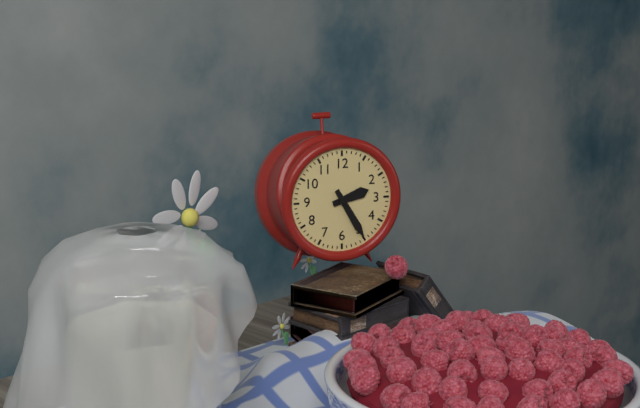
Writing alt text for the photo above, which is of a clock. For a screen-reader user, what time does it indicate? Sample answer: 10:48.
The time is 2:25
